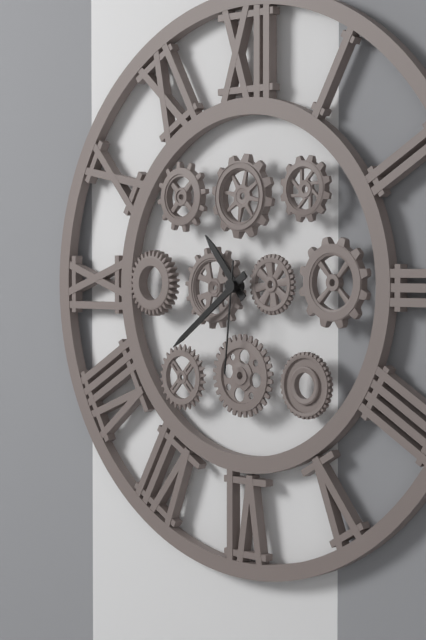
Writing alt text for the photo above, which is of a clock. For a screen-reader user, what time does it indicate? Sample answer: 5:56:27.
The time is 10:39:31
